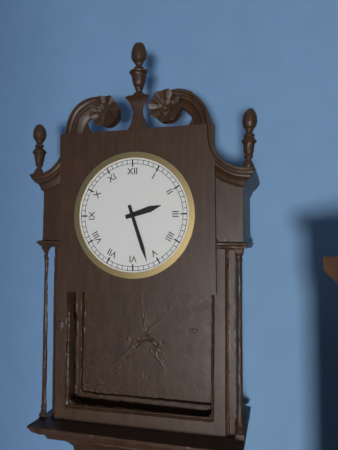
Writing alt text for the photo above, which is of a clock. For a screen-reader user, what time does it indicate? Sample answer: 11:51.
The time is 2:27
